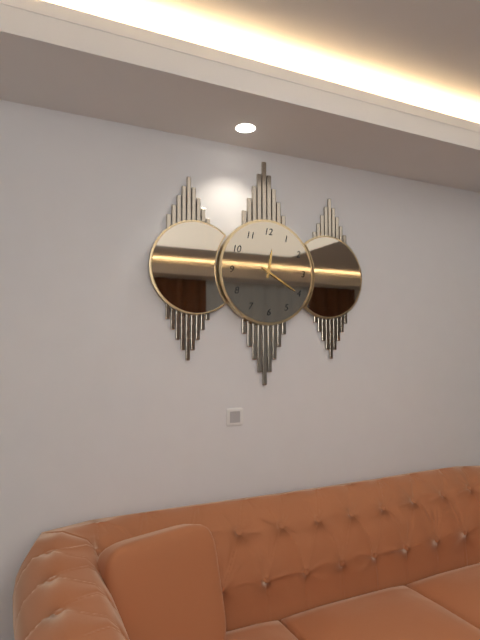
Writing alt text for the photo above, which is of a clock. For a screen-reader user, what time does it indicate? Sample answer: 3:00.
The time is 12:20
